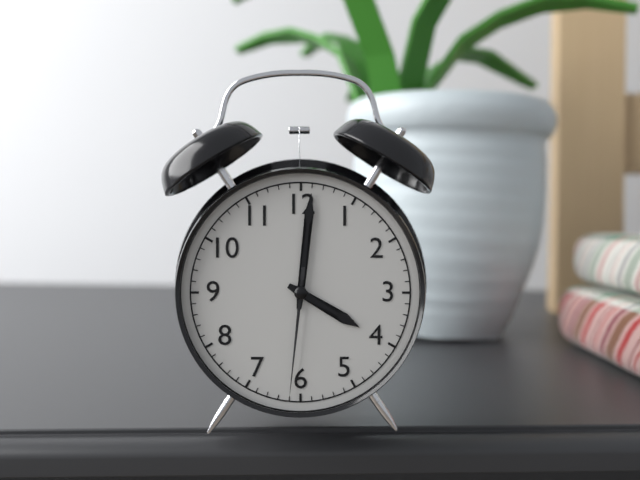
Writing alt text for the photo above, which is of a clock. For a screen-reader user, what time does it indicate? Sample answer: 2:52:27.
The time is 4:01:31
